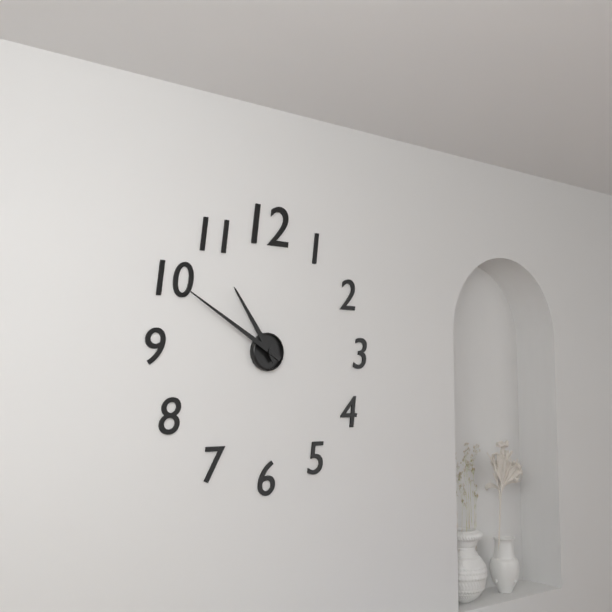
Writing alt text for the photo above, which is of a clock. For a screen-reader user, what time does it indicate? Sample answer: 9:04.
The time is 10:50
